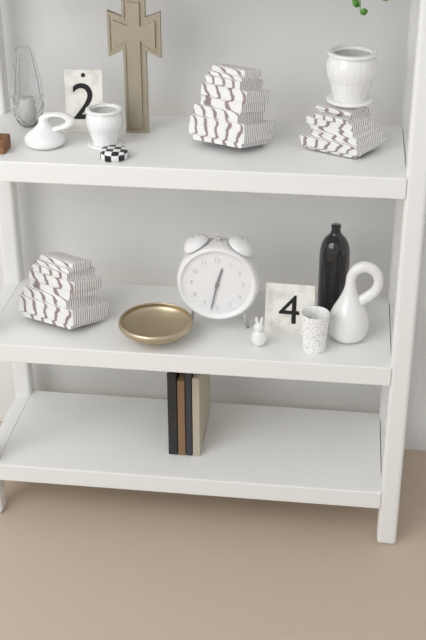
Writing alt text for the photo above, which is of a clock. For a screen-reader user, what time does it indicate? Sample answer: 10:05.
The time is 12:32
